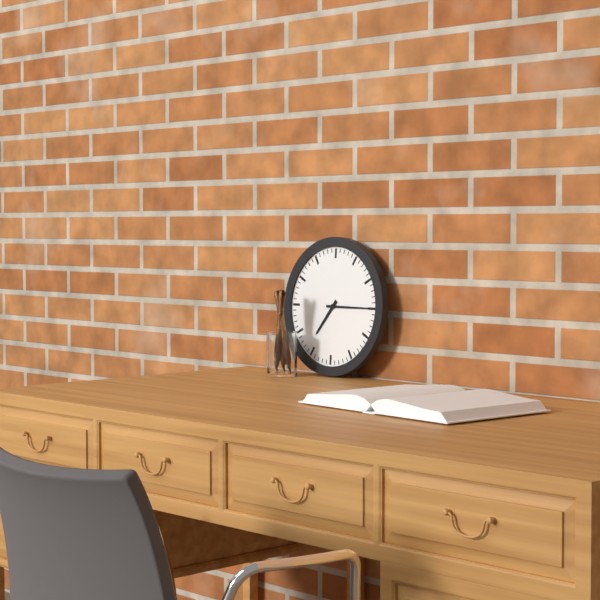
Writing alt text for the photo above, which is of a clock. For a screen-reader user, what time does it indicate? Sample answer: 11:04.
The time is 7:15
